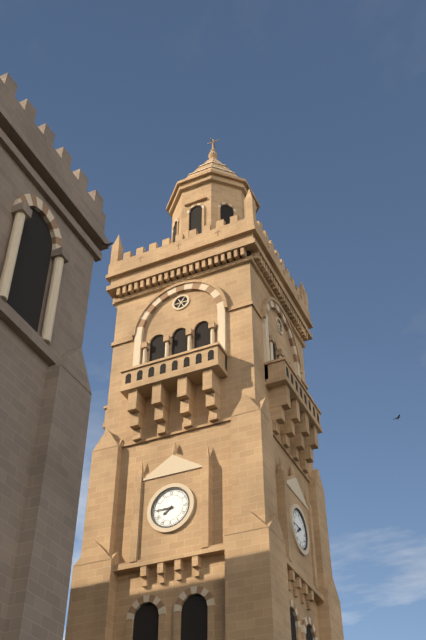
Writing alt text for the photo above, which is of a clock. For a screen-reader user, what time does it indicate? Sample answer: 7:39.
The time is 7:45
